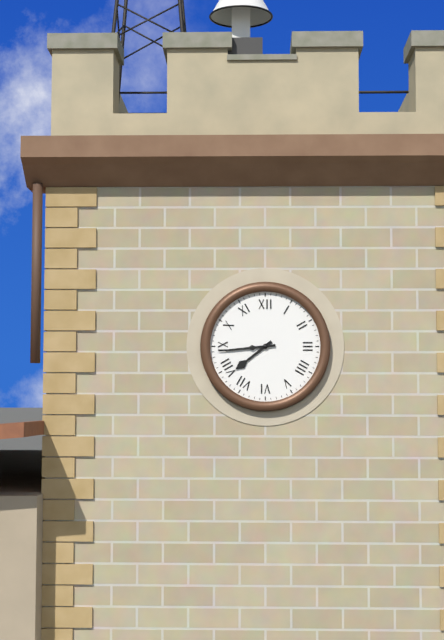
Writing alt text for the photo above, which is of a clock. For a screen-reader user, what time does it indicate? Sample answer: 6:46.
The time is 7:44
